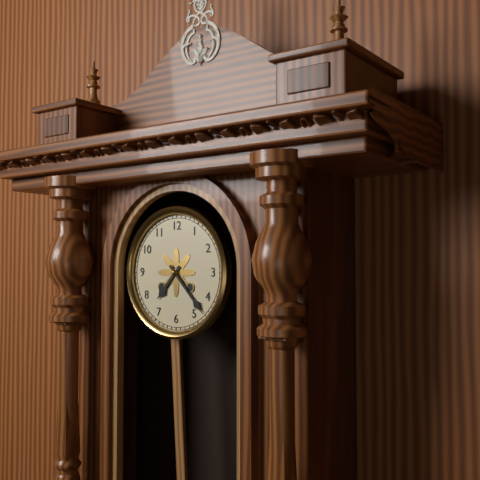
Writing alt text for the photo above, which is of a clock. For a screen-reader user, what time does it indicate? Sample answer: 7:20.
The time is 7:23
